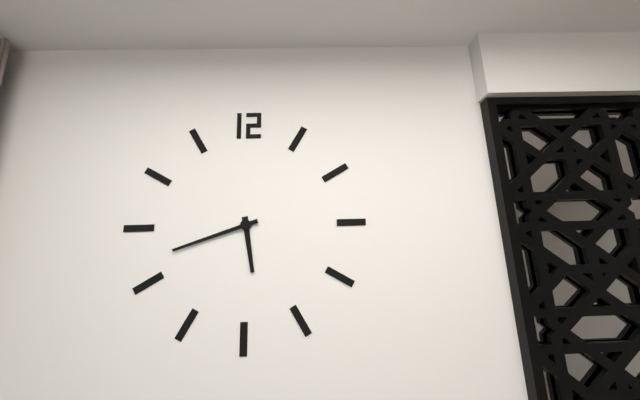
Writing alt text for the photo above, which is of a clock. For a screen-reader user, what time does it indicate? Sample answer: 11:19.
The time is 5:42
